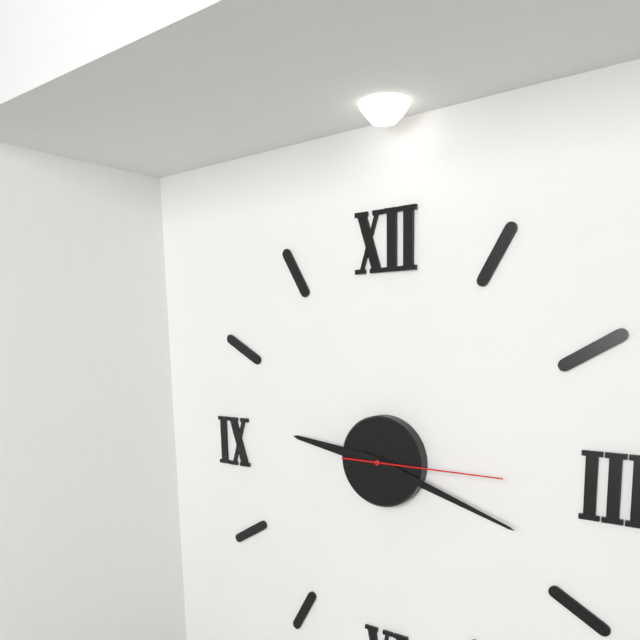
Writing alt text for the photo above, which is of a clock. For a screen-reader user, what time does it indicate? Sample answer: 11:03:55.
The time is 9:18:15
